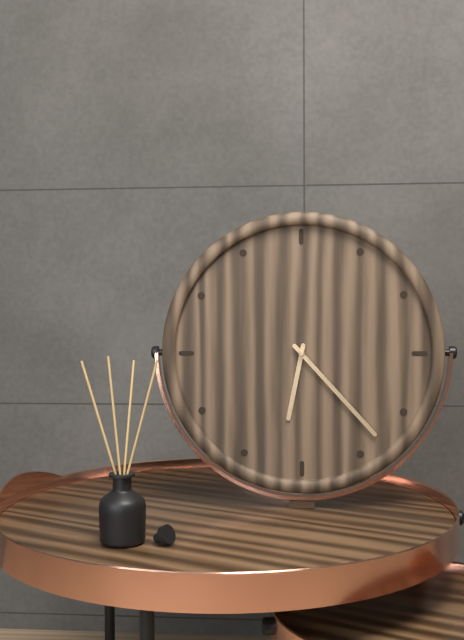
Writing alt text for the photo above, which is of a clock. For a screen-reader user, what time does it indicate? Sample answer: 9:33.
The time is 6:23
